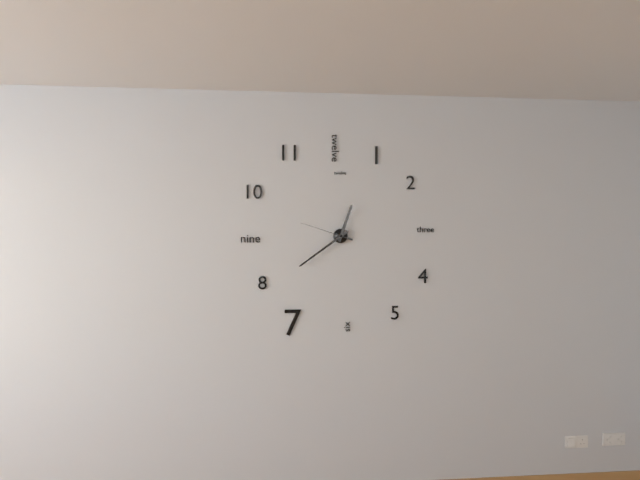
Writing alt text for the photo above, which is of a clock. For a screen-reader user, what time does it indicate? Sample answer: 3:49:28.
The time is 12:39:48
